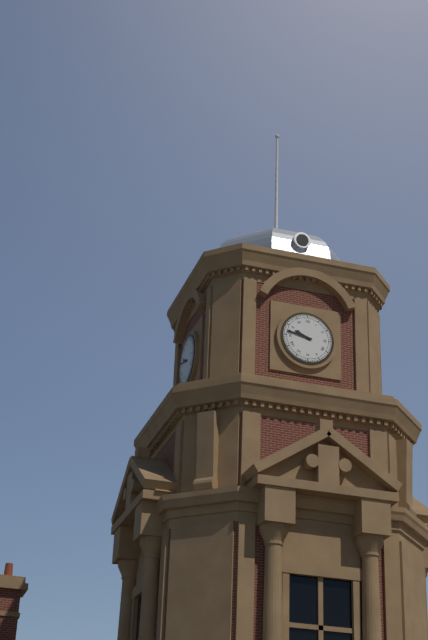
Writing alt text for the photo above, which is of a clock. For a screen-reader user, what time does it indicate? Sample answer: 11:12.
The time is 9:47
